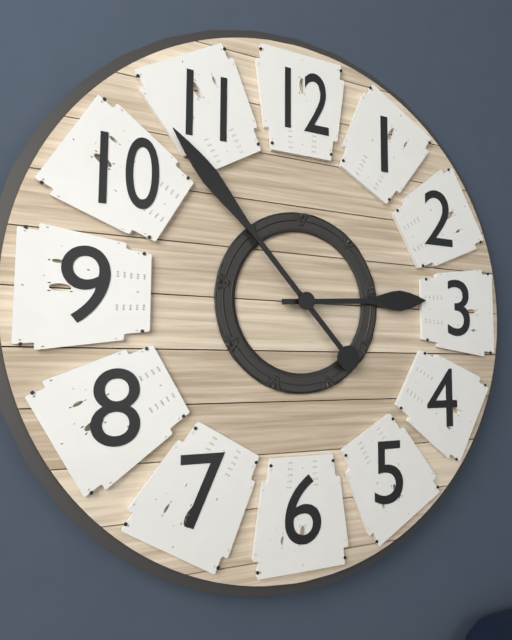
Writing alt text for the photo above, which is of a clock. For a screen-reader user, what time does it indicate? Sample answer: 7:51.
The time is 2:53
